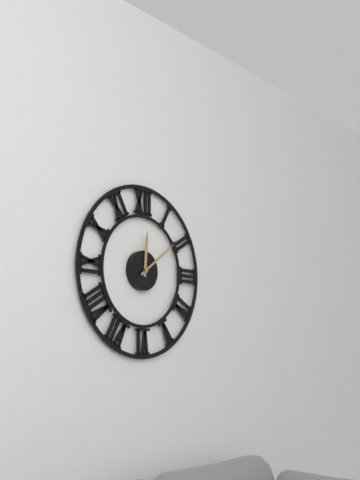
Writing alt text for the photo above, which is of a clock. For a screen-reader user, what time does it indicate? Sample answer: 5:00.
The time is 12:09
